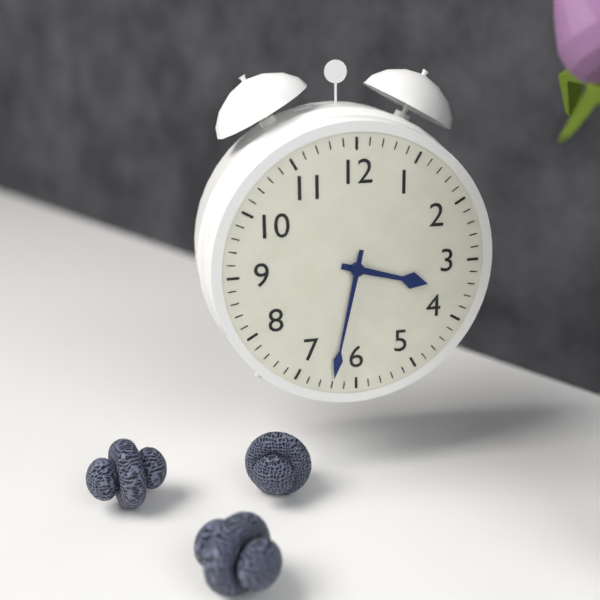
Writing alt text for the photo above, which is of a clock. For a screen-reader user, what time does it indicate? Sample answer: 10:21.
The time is 3:32
